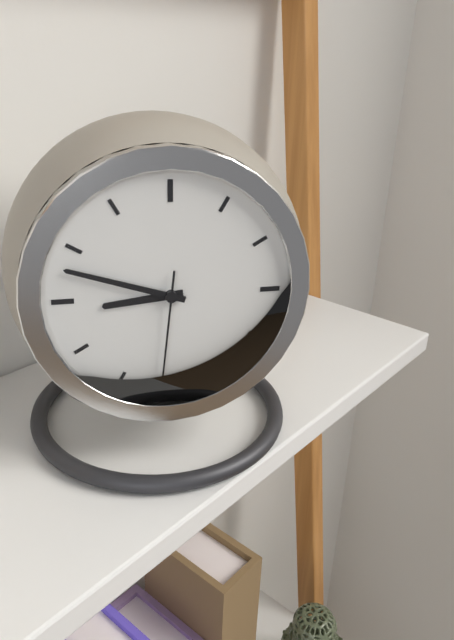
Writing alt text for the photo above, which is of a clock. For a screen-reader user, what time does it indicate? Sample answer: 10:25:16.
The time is 8:48:31
